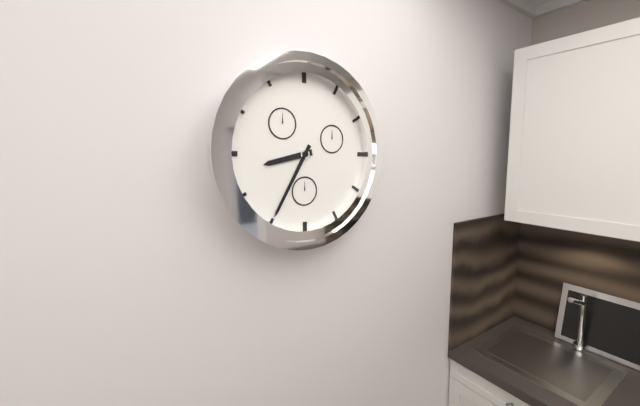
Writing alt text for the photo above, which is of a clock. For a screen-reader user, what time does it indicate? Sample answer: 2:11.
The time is 8:35
